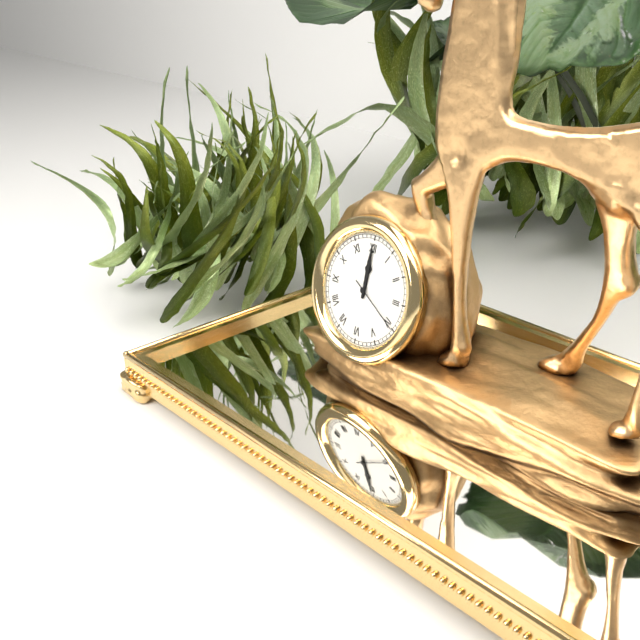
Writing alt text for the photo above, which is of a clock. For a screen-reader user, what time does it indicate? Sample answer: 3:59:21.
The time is 12:00:20
